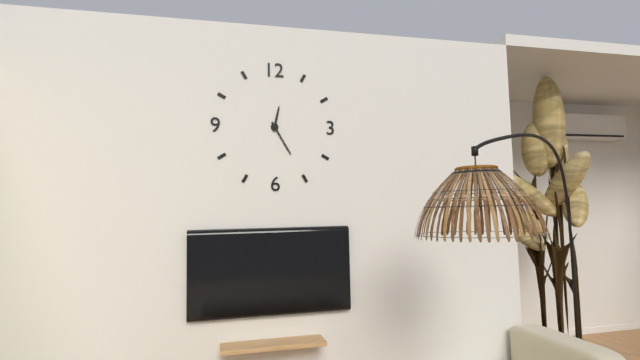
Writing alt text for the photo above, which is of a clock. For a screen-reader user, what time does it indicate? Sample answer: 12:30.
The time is 12:25
